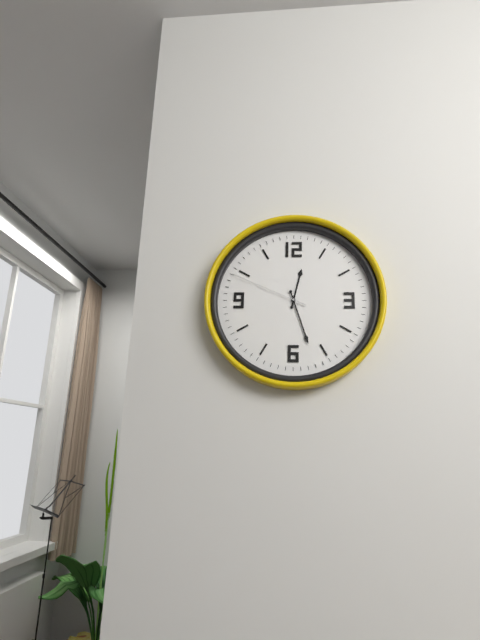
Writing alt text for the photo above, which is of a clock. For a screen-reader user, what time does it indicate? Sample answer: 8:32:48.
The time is 12:27:49
